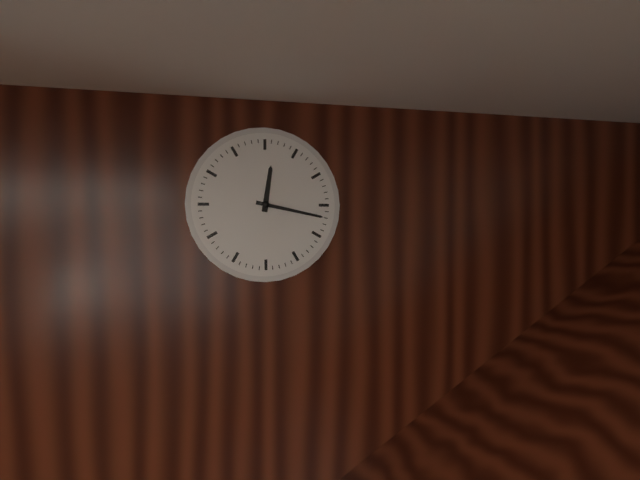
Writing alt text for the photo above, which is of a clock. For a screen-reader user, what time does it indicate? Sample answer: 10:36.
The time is 12:17
